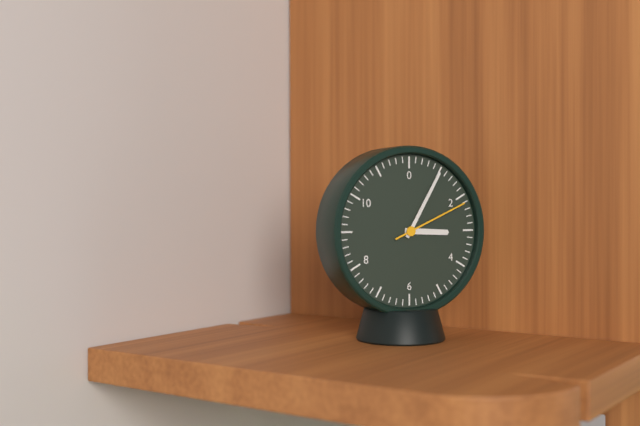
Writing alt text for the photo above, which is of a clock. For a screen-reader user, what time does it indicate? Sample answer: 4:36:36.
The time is 3:05:11
